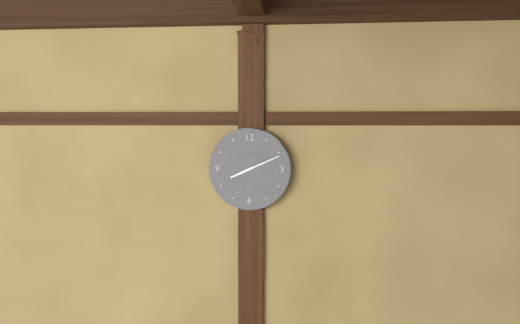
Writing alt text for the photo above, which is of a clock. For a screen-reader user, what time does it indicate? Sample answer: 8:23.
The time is 8:11
